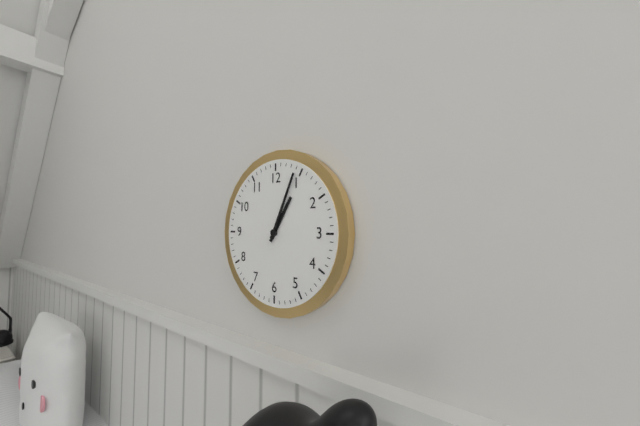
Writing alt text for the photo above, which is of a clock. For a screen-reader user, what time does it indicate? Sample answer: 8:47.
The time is 1:04
